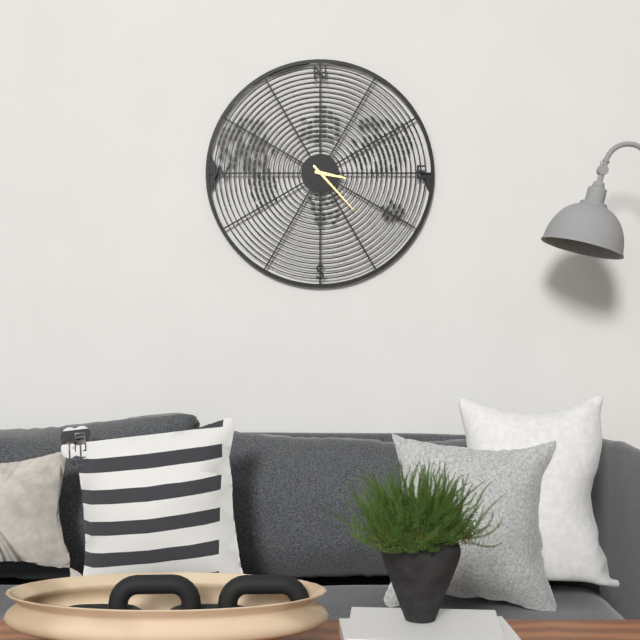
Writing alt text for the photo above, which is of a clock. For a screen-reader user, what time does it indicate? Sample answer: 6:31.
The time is 3:23
